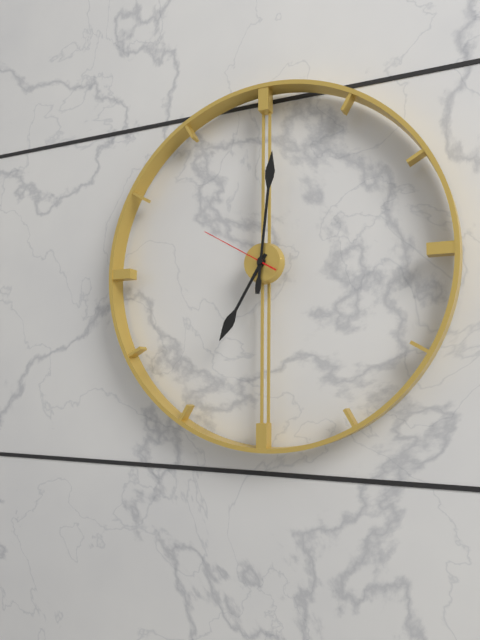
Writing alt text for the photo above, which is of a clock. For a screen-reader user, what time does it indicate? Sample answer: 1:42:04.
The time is 7:01:50
